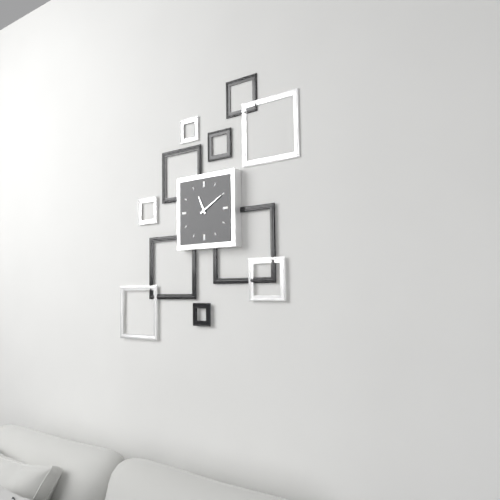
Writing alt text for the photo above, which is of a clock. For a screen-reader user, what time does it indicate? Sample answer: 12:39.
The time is 11:10
